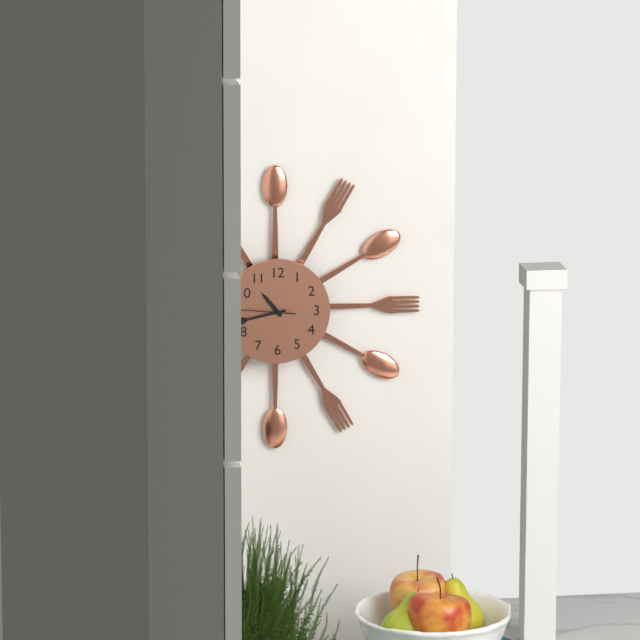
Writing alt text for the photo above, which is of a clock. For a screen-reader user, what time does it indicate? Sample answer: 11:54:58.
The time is 10:43:46
